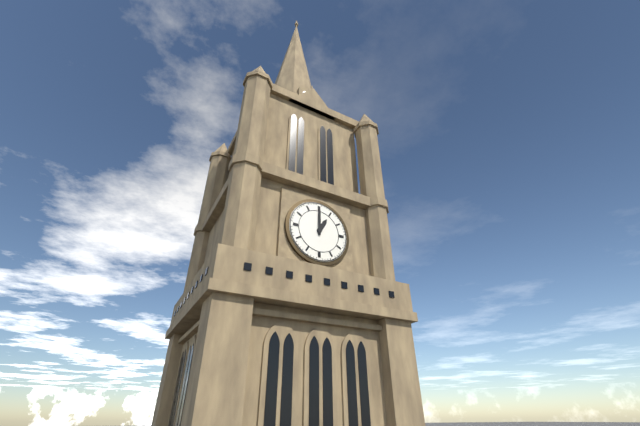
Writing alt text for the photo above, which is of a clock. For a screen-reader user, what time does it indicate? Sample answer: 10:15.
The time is 1:00
